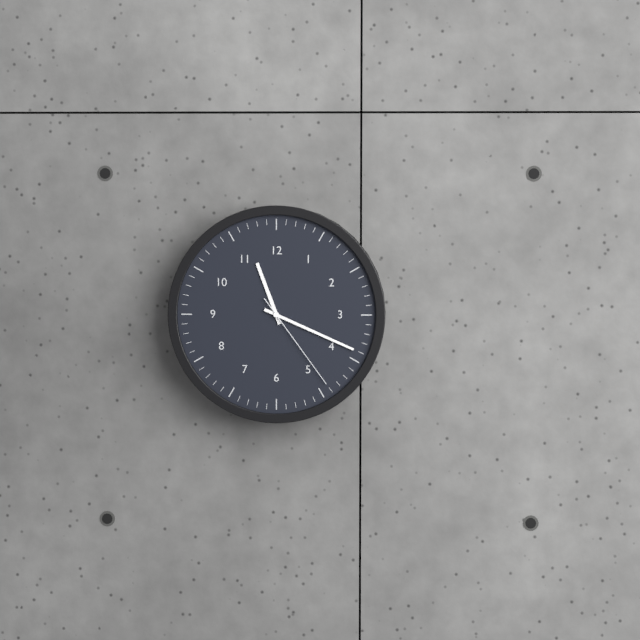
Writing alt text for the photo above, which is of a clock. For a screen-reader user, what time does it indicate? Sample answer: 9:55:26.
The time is 11:19:24
